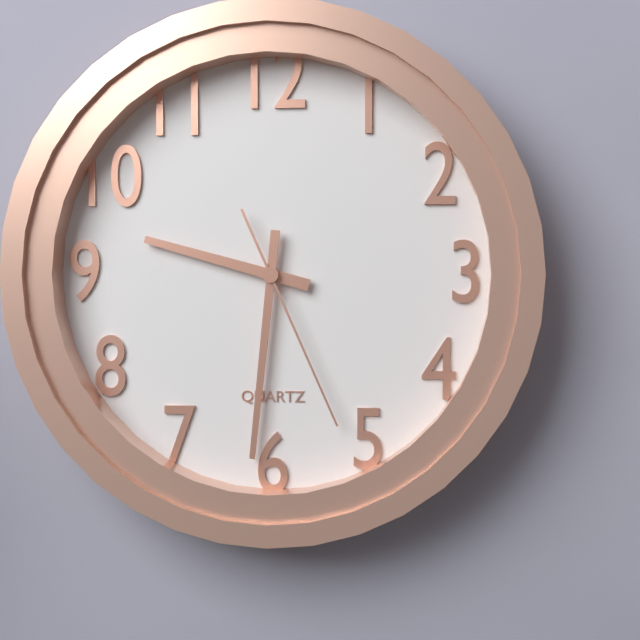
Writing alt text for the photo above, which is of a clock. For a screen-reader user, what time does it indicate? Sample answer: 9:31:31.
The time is 9:31:26
